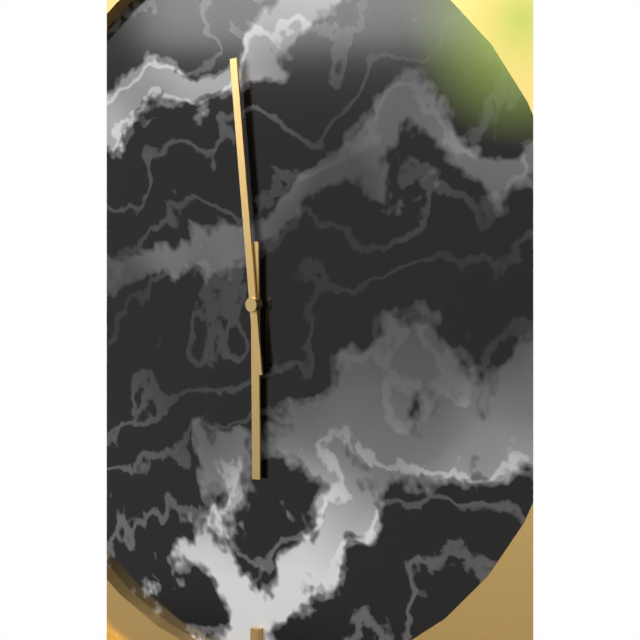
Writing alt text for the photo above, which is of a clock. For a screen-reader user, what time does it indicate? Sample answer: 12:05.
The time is 5:59
